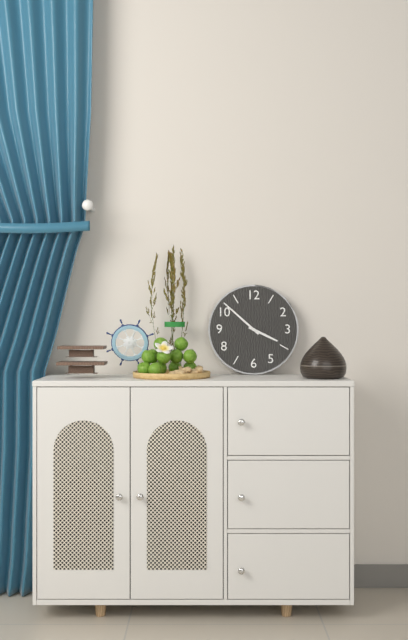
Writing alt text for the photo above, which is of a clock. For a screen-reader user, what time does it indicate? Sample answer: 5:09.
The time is 3:52
